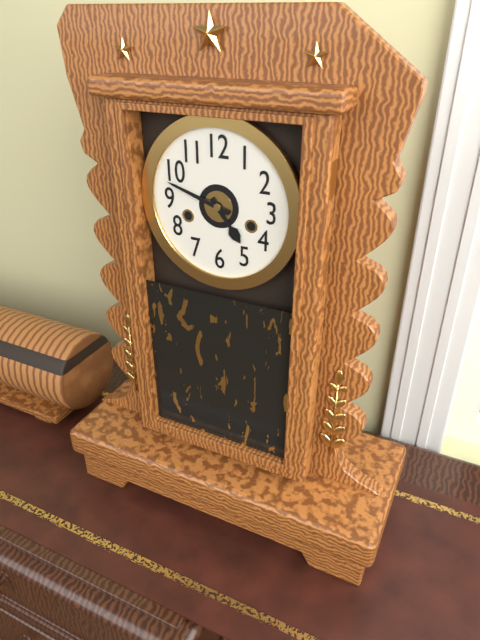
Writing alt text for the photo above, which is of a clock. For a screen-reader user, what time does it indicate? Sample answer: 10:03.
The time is 4:48
